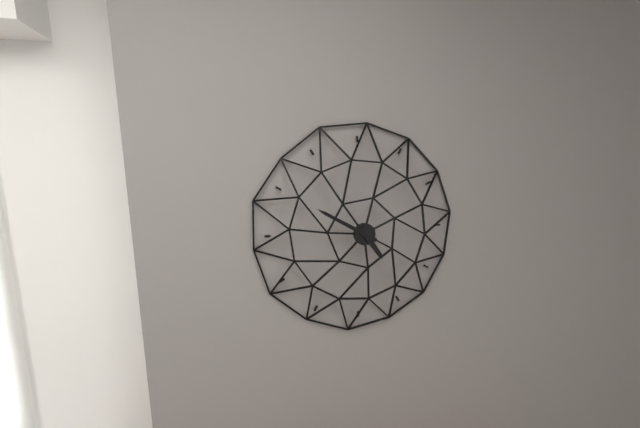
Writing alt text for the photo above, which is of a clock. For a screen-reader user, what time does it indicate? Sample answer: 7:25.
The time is 4:50
